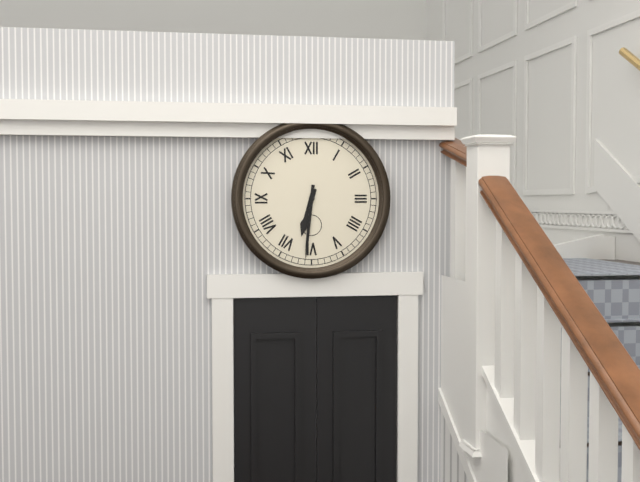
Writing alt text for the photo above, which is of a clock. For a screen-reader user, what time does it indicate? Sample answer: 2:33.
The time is 6:31
